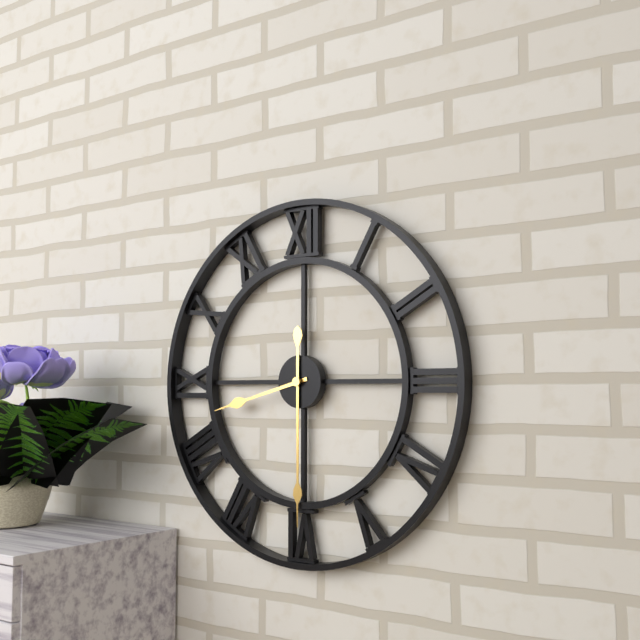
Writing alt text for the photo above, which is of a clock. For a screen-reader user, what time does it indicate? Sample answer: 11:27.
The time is 8:30
